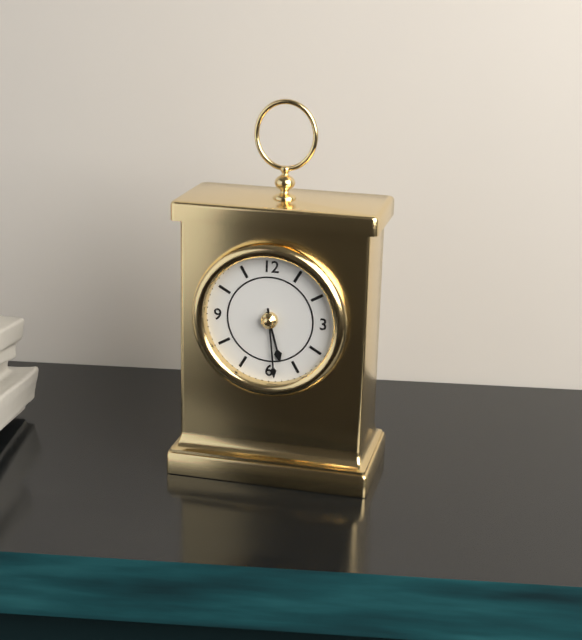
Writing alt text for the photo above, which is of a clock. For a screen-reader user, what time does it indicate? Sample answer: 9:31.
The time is 5:29
